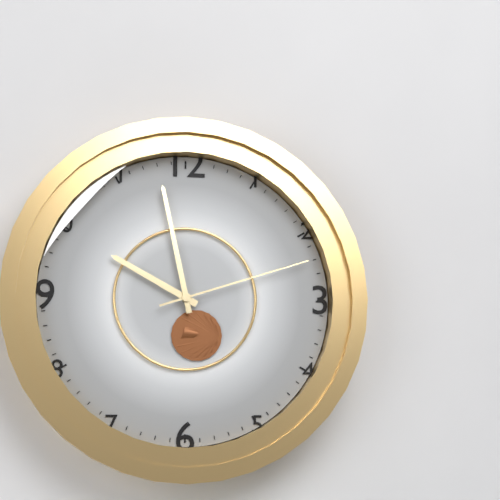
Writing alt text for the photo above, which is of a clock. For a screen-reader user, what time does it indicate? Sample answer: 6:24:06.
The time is 9:58:12
